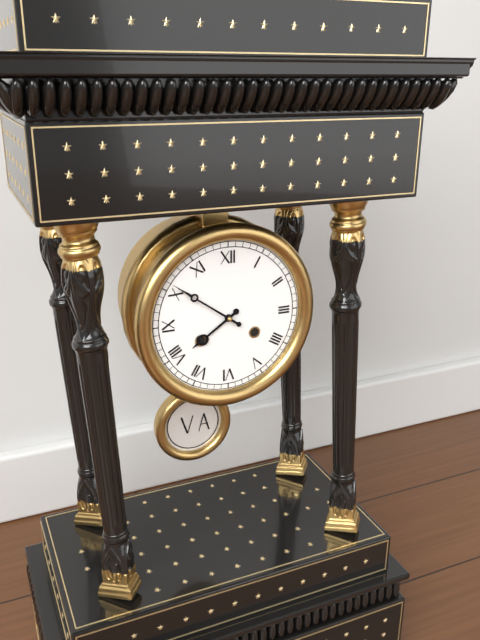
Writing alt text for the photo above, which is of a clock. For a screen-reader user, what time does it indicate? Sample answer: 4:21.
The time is 7:51
